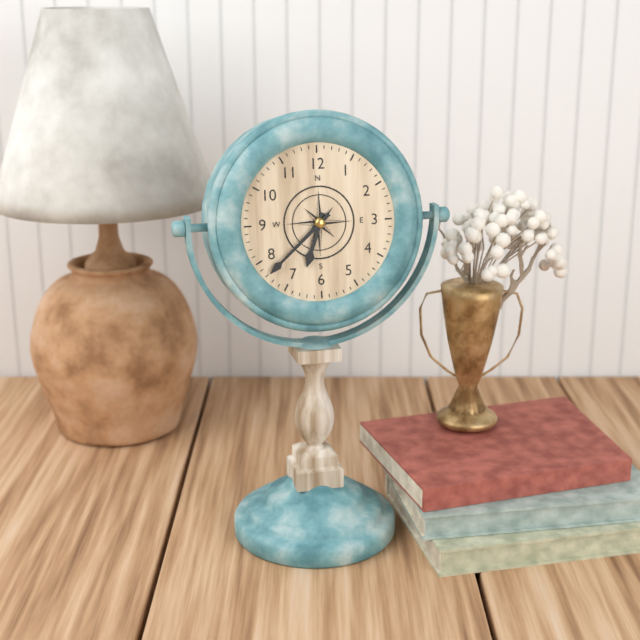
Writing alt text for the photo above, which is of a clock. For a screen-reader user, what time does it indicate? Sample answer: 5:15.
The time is 6:38
